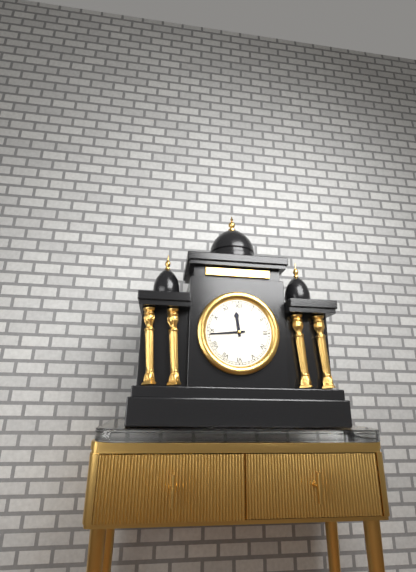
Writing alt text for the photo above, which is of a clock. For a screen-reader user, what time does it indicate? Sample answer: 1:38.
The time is 11:44
